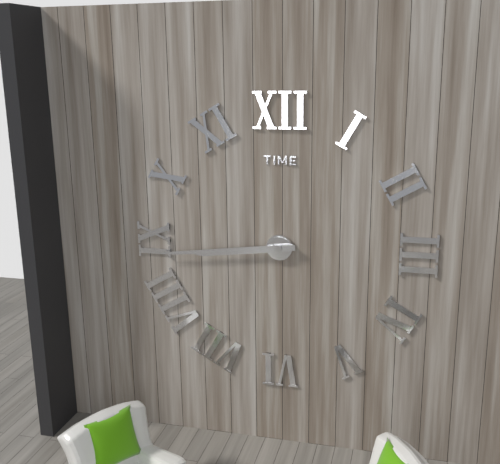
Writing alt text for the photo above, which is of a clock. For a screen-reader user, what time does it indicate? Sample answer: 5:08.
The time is 8:44
